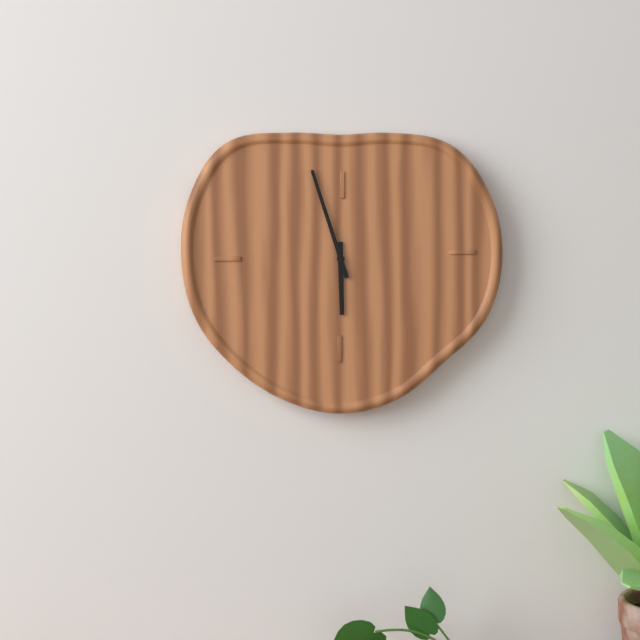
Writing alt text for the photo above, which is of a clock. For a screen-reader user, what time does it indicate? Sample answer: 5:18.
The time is 5:57
